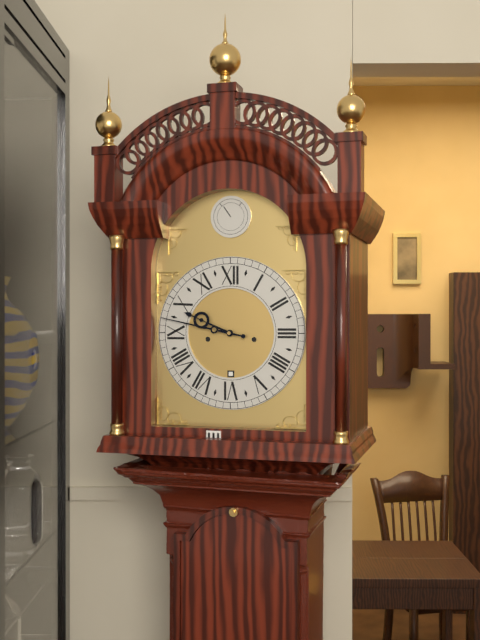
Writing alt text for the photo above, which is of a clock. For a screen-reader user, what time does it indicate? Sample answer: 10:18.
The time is 9:47
